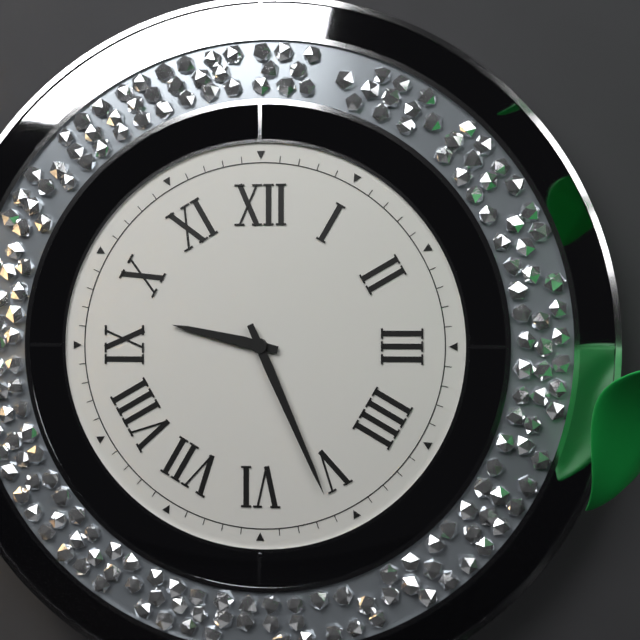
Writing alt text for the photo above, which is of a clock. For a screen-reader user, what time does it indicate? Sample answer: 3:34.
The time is 9:26
